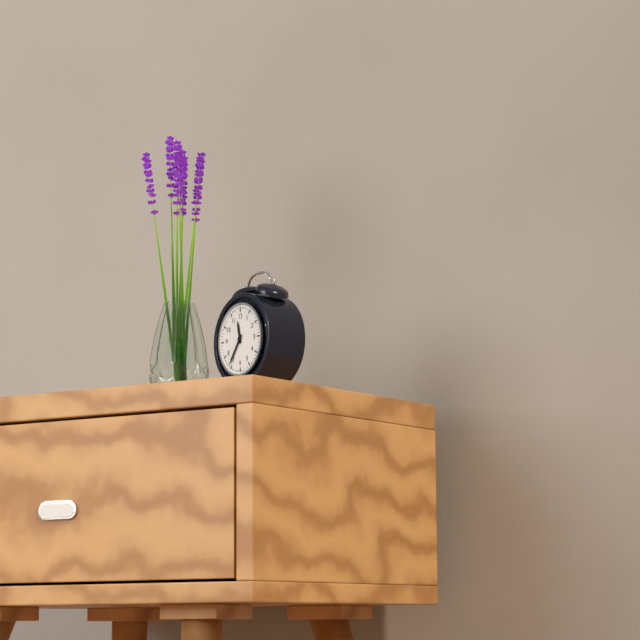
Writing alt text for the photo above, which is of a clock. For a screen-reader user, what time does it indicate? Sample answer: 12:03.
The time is 11:36
